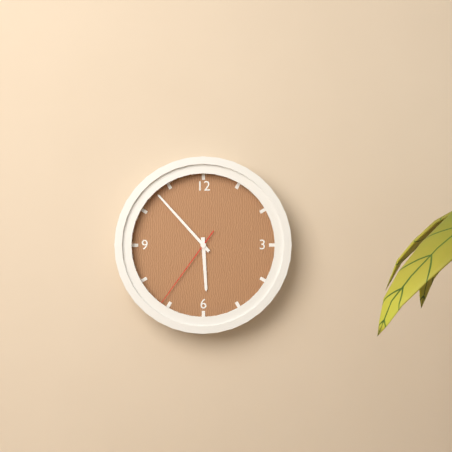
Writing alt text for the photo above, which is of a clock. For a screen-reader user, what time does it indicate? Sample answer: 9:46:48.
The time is 5:53:36
